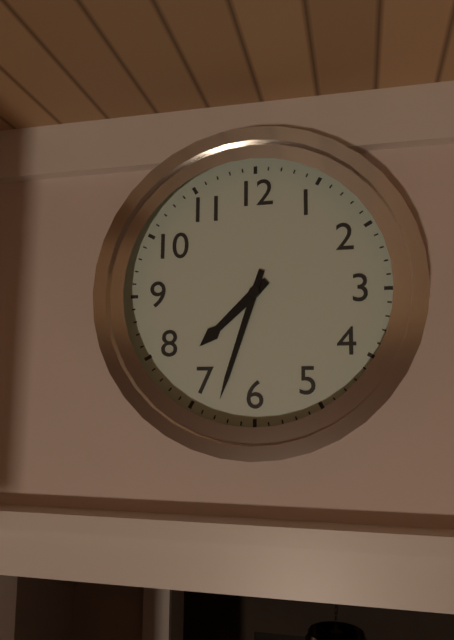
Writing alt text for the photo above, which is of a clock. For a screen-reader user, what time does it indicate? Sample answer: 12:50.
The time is 7:33
